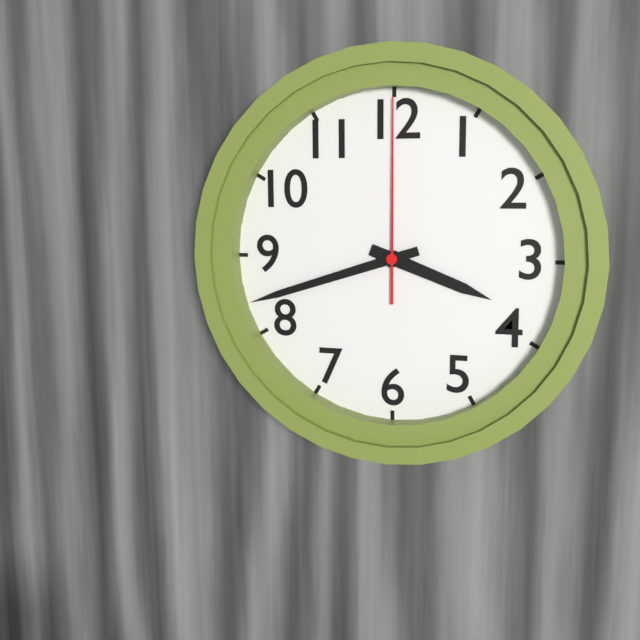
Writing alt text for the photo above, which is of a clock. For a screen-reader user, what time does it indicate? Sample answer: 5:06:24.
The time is 3:42:00
